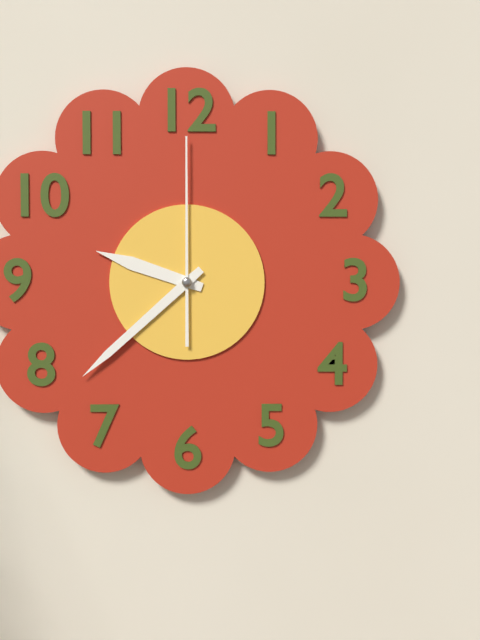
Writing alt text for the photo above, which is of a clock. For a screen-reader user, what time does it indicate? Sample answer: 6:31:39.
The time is 9:38:00
